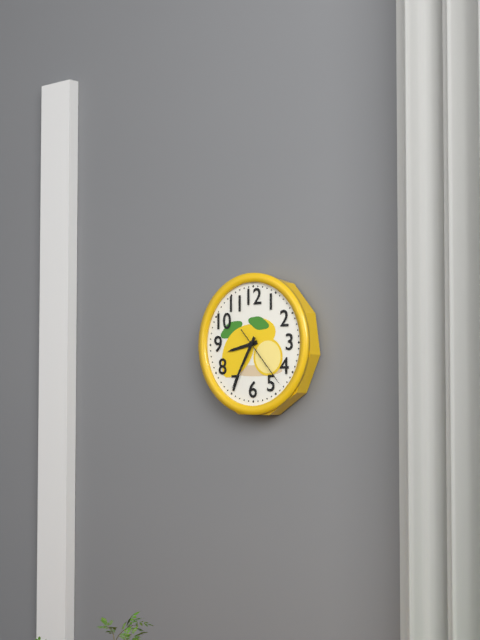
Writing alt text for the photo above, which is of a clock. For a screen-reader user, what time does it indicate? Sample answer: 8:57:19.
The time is 8:35:23
